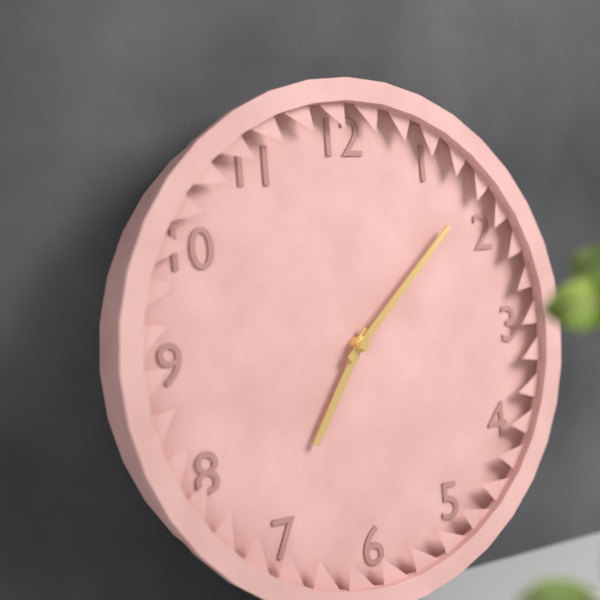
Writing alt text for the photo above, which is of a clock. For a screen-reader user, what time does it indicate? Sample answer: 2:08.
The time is 7:08
